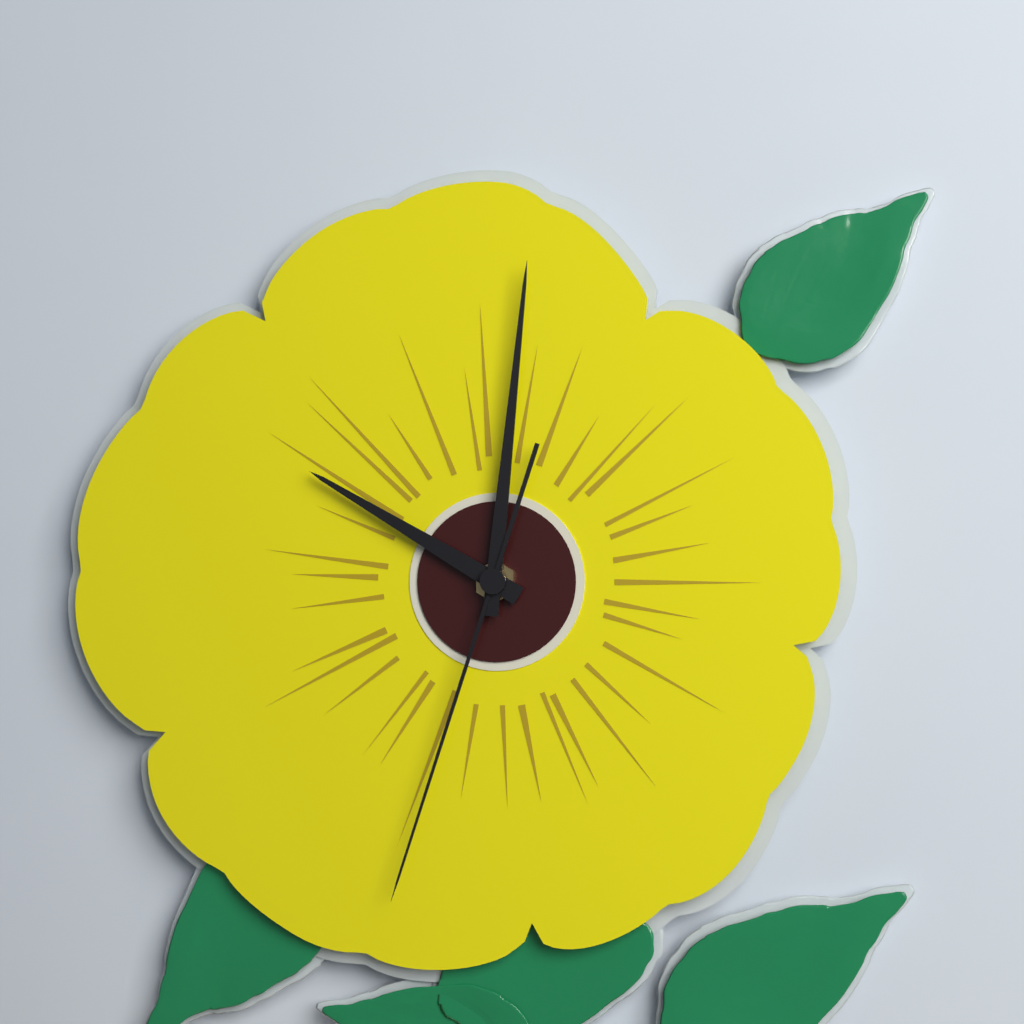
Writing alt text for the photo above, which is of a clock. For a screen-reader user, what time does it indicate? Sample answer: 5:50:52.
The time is 10:01:33
